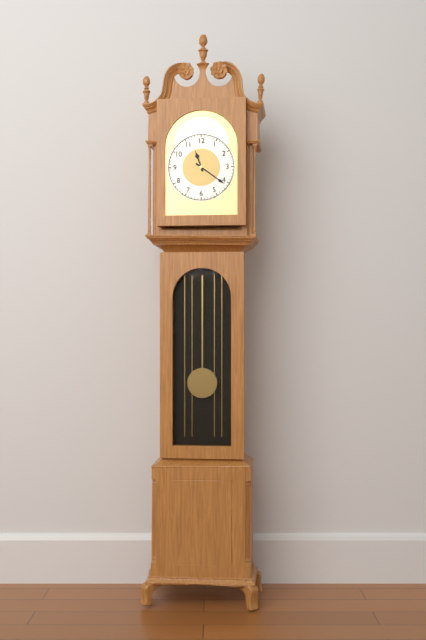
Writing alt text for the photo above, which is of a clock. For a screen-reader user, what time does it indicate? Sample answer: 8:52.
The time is 11:21
